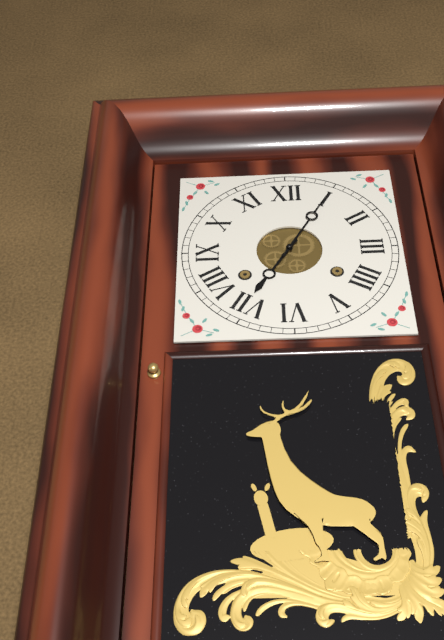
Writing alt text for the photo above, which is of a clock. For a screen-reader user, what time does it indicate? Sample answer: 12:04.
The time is 7:05
